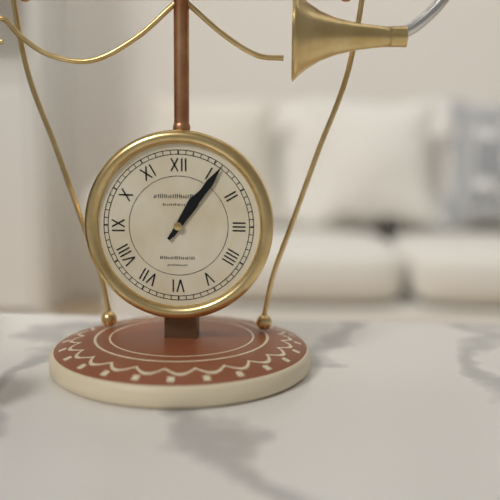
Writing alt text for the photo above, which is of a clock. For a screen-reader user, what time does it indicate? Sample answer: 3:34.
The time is 1:06
